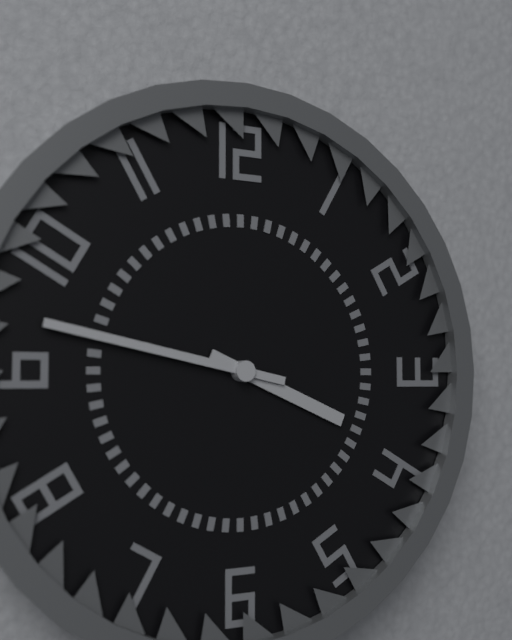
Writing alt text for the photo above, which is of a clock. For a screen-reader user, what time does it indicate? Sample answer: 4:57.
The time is 3:47
